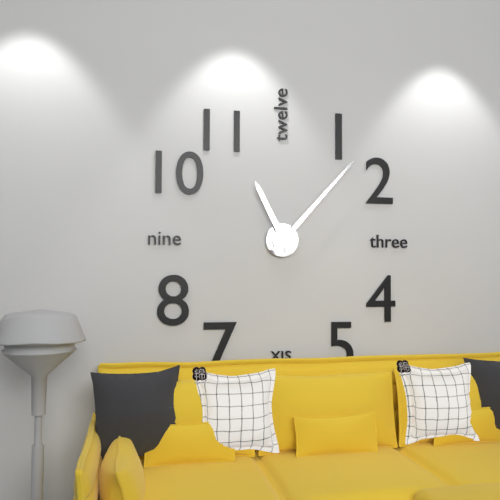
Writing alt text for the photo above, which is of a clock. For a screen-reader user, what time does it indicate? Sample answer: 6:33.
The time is 11:07
